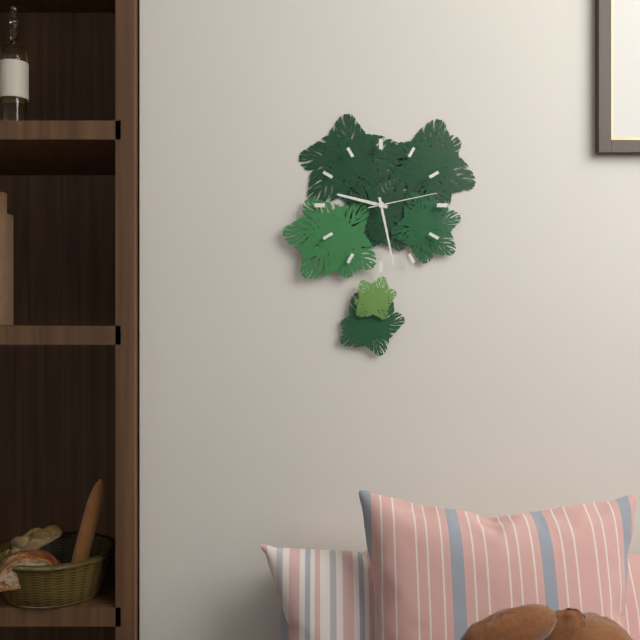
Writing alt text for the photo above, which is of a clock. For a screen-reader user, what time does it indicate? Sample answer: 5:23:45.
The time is 9:28:13
